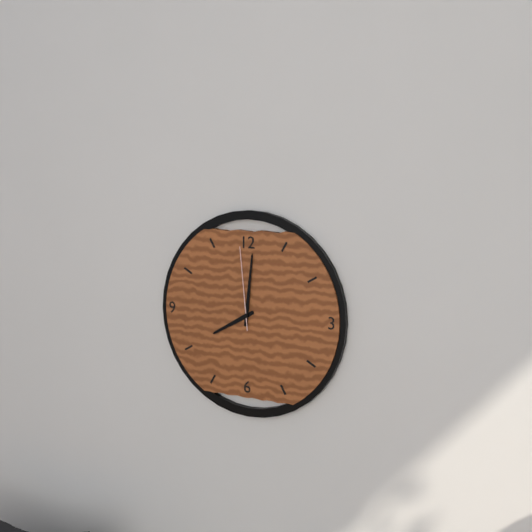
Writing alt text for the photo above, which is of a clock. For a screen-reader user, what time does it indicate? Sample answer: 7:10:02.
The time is 8:01:59
